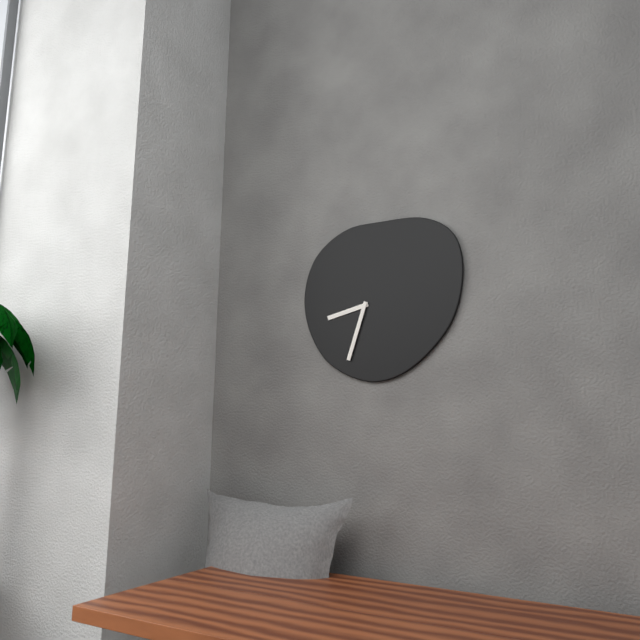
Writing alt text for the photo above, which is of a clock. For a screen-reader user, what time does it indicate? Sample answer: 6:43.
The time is 8:33
